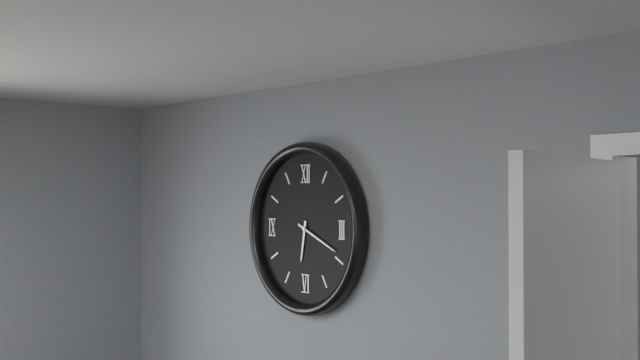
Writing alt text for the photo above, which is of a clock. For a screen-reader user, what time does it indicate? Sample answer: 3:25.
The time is 6:19
